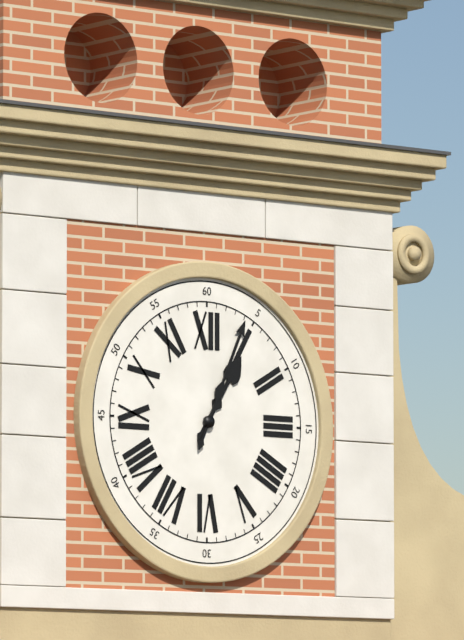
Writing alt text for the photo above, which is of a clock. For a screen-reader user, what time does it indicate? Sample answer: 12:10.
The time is 1:04
